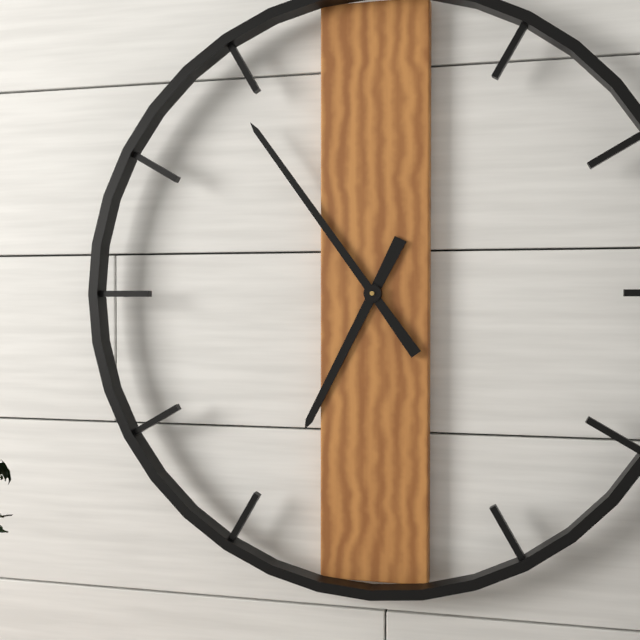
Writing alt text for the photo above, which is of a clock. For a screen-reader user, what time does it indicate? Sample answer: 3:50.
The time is 6:54
